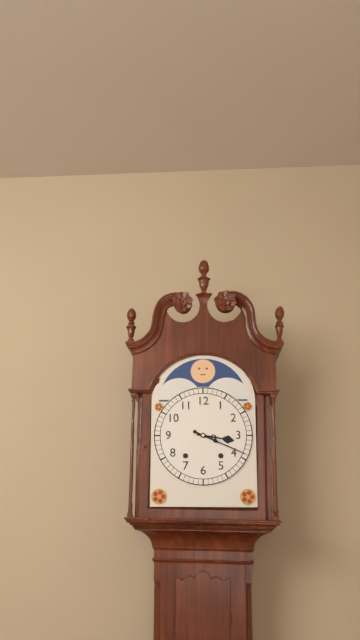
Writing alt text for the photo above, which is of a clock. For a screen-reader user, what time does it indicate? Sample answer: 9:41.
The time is 3:19
